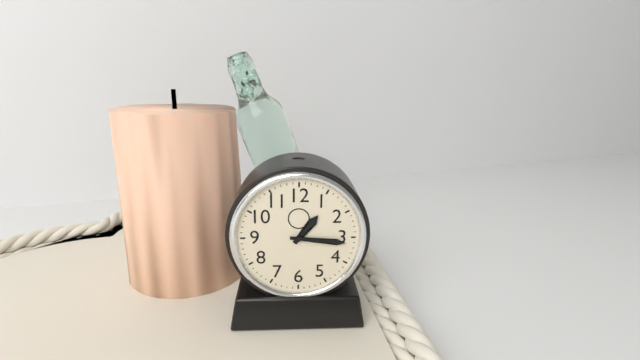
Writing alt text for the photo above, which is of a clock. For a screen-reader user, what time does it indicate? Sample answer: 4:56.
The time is 1:16
